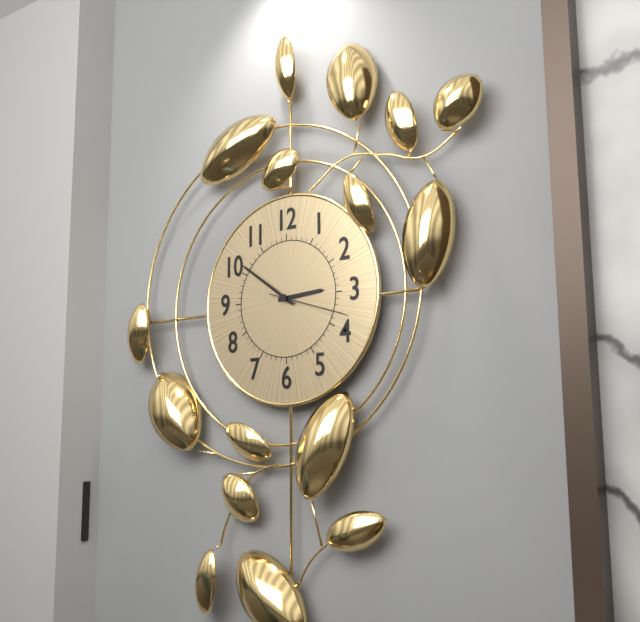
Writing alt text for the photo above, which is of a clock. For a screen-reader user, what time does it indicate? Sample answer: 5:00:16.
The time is 2:51:18
